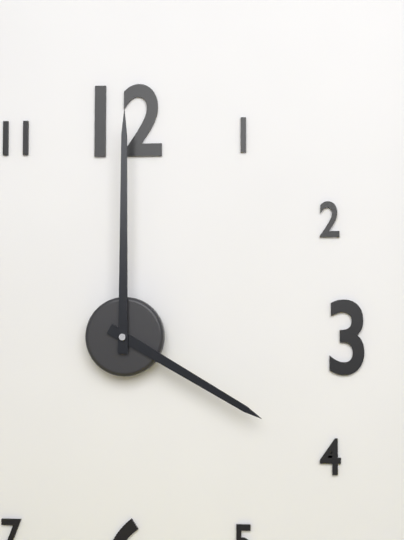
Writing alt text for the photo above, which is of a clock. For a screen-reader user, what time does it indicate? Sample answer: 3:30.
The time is 4:00
